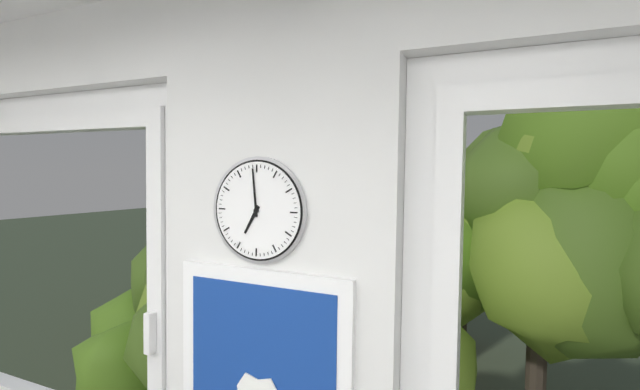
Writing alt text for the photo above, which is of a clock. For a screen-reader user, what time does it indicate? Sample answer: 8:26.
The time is 6:59
